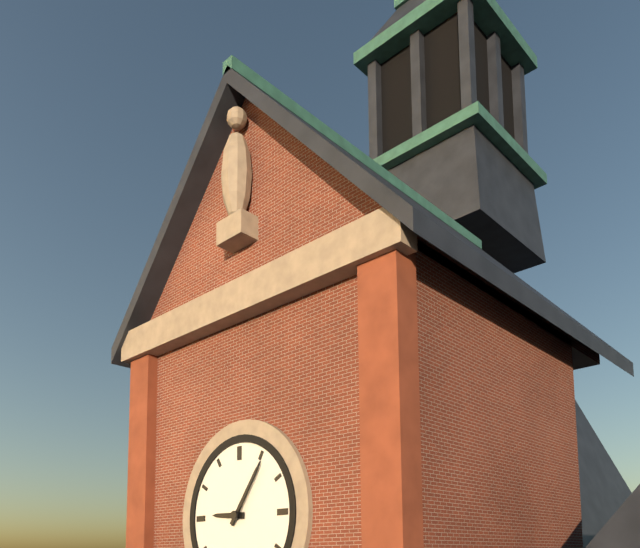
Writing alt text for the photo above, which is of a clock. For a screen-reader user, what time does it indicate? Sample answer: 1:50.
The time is 9:06
